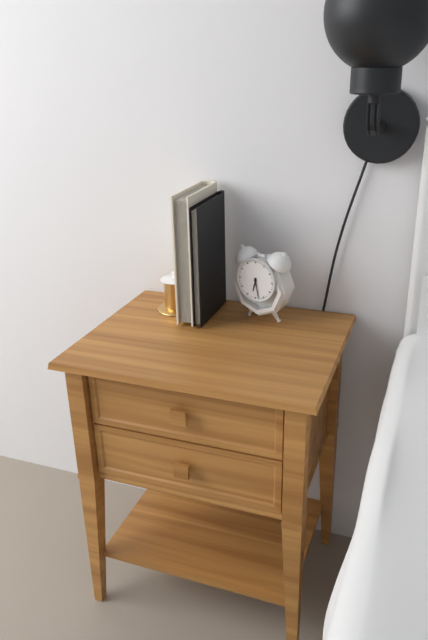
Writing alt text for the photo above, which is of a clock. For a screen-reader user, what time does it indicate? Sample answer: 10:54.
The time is 6:28
